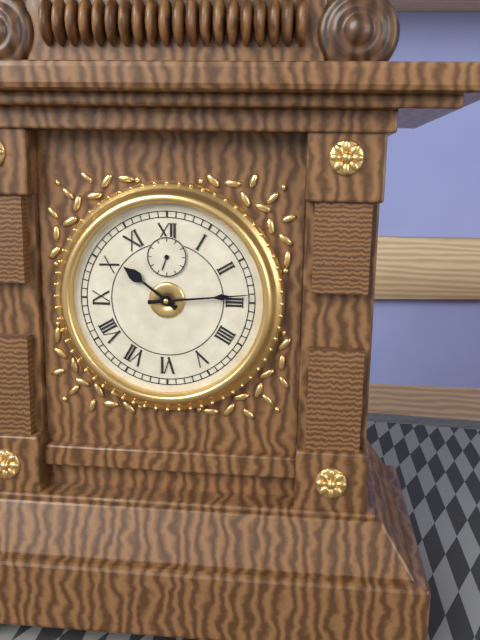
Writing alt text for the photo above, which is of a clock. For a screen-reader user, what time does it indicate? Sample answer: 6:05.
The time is 10:14
